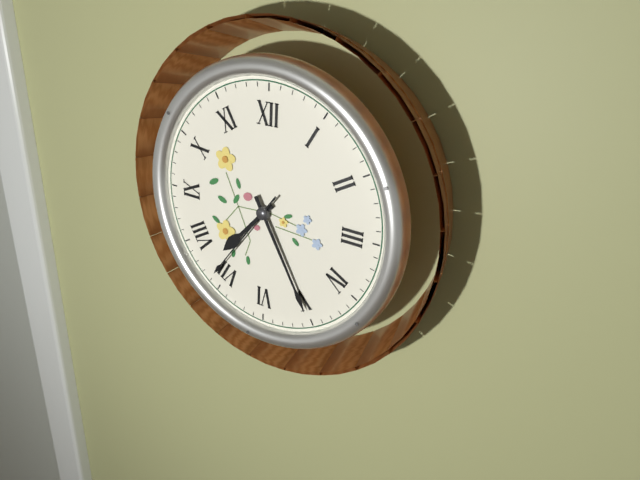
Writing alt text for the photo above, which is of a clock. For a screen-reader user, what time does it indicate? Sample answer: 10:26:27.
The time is 7:25:36
